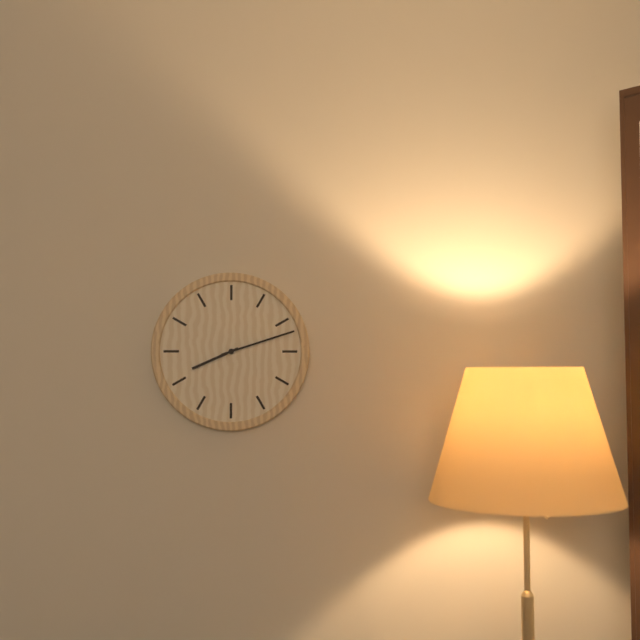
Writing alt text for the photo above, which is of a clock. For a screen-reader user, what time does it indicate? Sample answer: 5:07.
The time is 8:12
